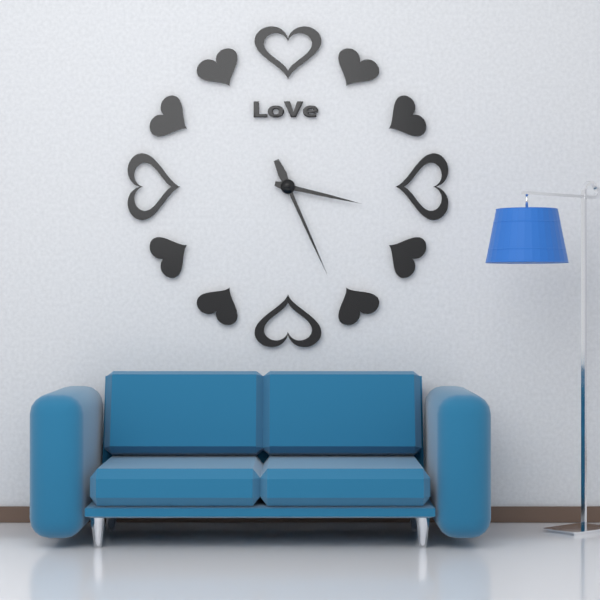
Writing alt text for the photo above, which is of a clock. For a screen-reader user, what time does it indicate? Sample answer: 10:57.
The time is 3:26
